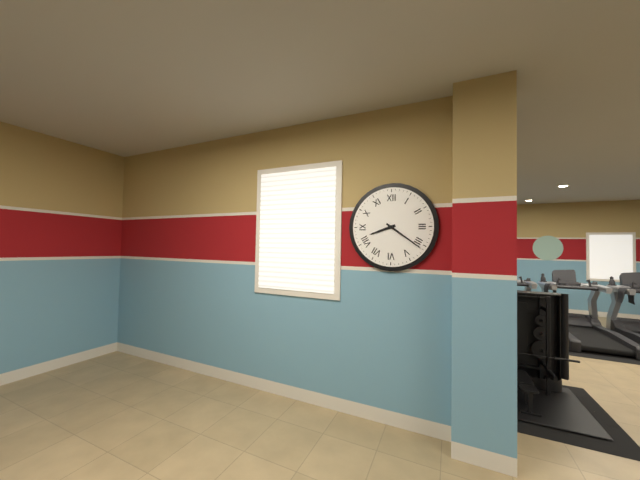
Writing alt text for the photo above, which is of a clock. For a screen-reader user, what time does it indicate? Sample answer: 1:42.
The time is 8:21
